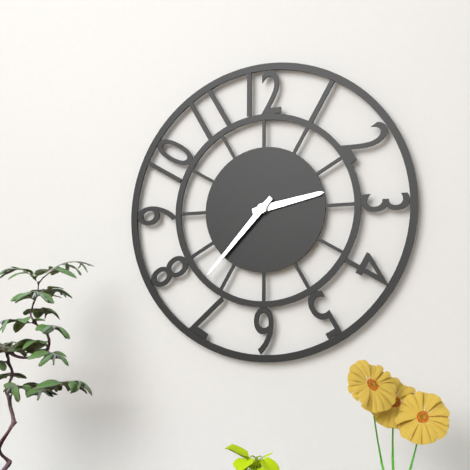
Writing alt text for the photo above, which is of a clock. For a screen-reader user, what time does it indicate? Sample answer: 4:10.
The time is 2:37
